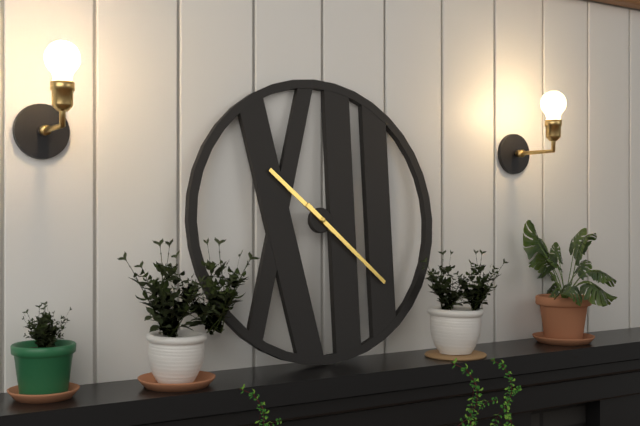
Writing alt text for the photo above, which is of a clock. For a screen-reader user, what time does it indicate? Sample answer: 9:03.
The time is 10:22
